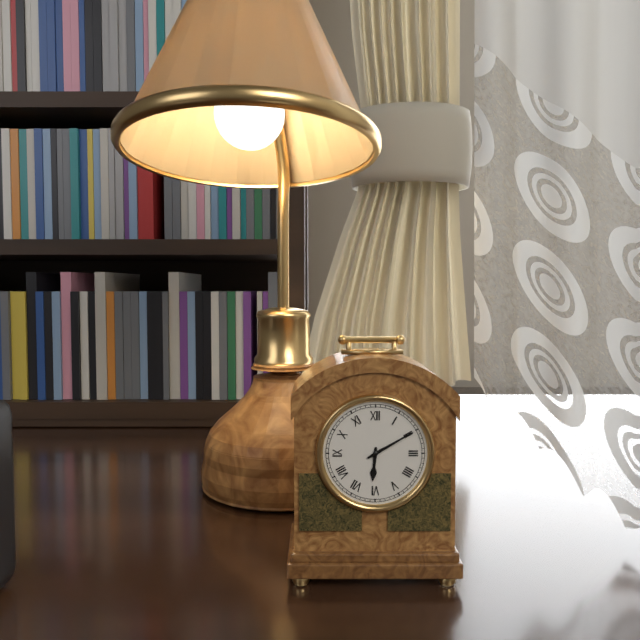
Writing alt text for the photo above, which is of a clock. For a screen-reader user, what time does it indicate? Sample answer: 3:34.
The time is 6:10
